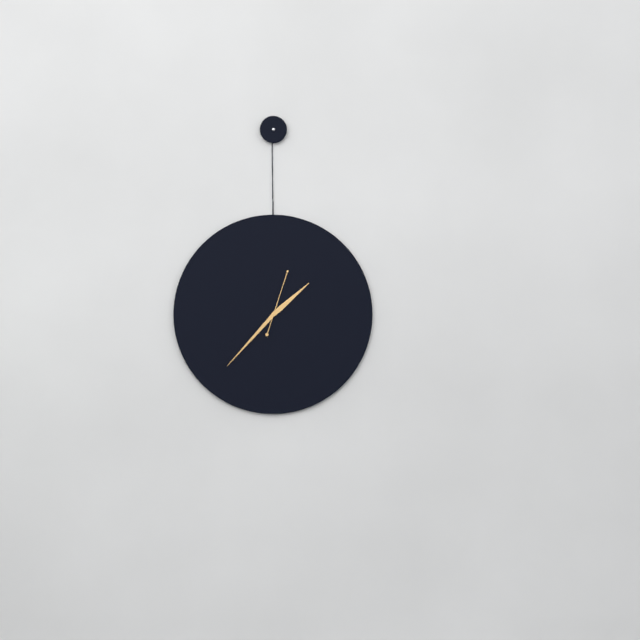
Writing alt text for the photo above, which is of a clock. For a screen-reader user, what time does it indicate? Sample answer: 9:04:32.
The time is 1:37:03
